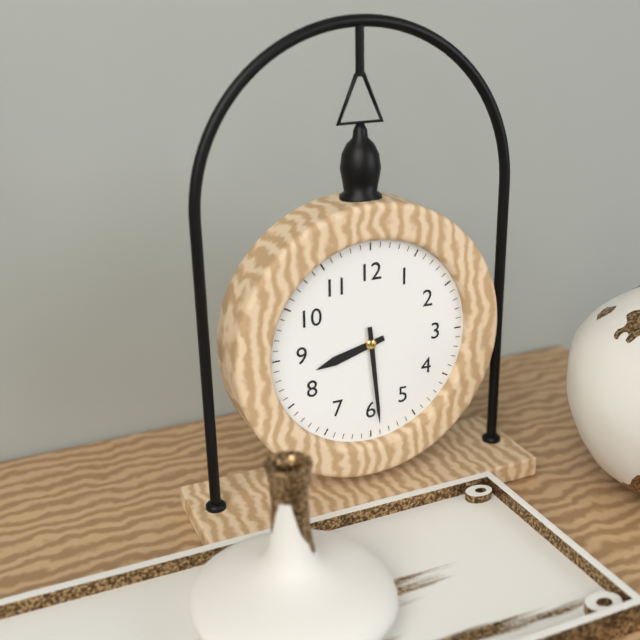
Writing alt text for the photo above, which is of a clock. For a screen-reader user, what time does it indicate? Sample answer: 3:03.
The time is 8:29
